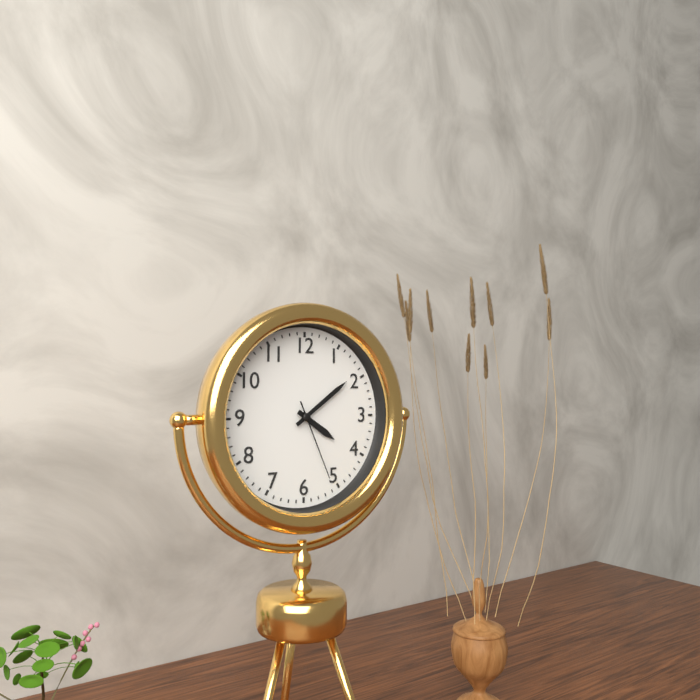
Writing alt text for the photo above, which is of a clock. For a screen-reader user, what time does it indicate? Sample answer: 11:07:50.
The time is 4:09:26
